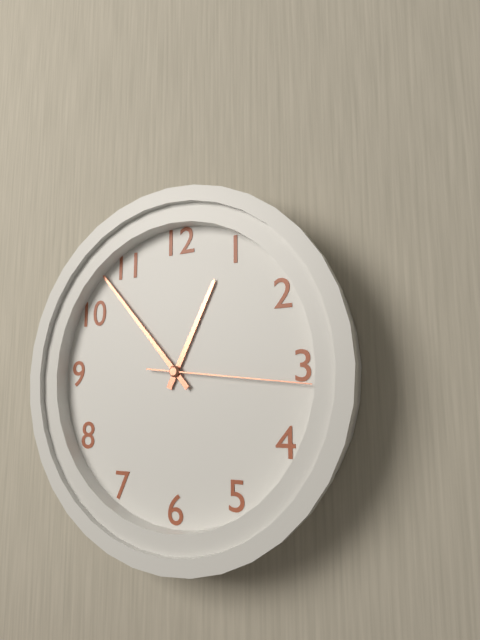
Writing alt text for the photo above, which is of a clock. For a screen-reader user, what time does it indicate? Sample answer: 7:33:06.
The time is 12:53:16
